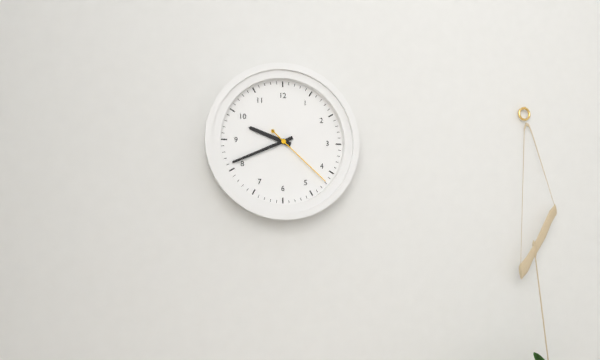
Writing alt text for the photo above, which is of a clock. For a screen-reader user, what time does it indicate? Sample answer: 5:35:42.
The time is 9:41:22
